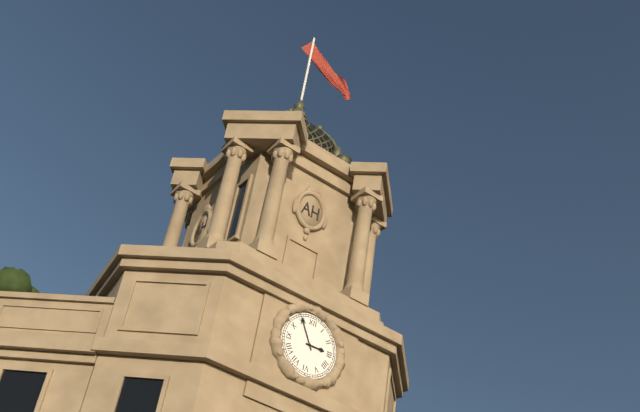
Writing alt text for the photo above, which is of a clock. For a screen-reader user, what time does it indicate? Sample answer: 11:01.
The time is 2:55
